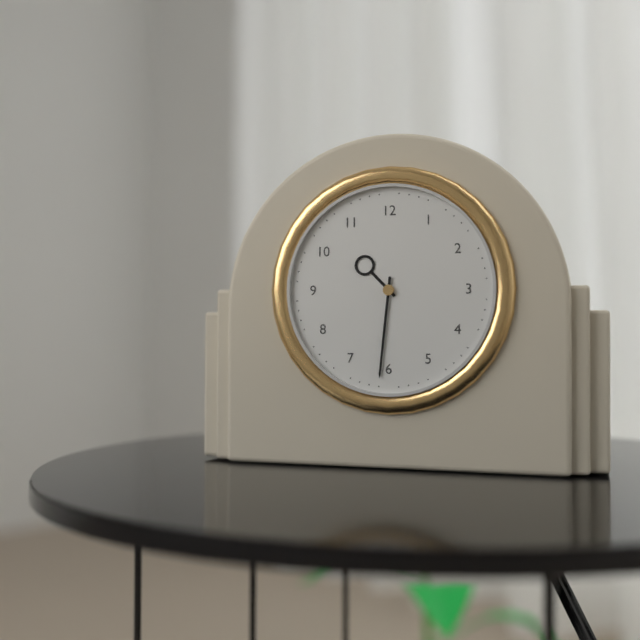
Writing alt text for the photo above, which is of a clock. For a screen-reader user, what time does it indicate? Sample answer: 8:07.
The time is 10:31
